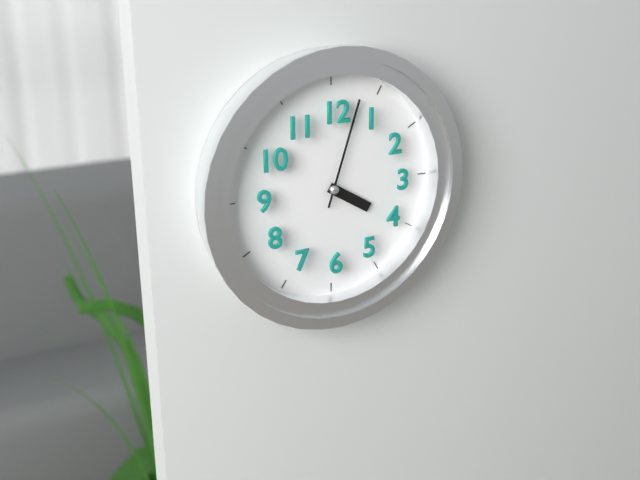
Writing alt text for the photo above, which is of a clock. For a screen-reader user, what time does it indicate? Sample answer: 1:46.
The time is 4:03
